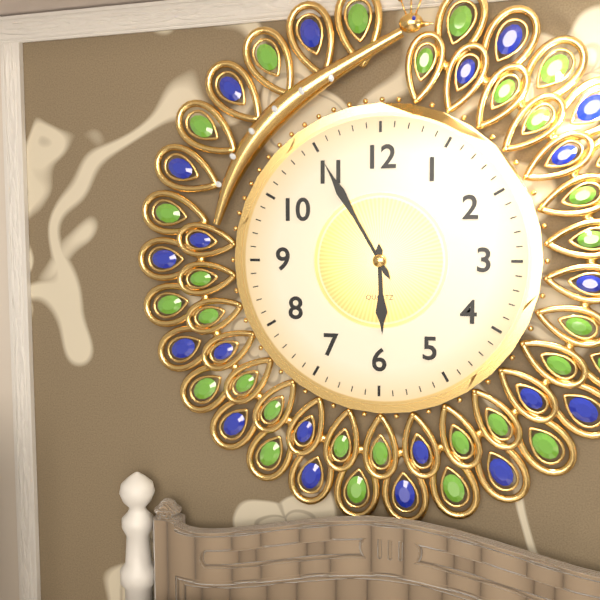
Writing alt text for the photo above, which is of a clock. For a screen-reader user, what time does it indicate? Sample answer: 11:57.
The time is 5:55
